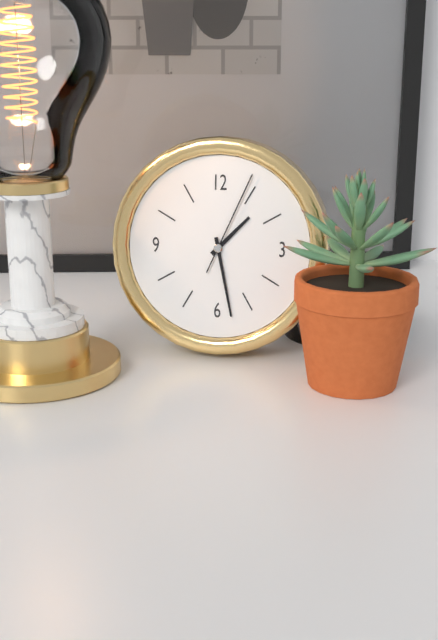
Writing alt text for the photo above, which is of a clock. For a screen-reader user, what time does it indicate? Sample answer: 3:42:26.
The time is 1:28:04
